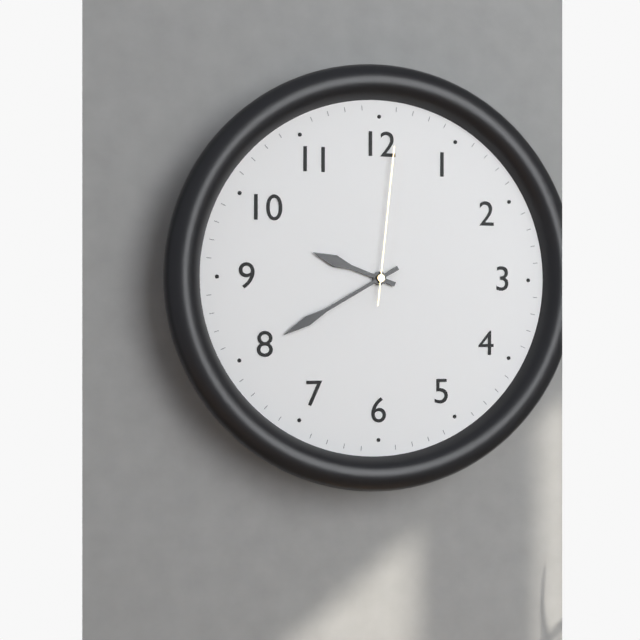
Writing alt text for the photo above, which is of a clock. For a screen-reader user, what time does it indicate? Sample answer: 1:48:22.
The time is 9:40:01
